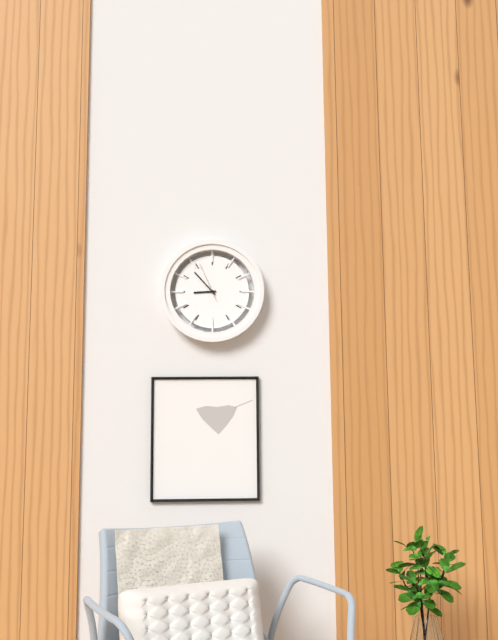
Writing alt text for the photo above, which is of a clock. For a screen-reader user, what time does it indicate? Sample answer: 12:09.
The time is 8:53
